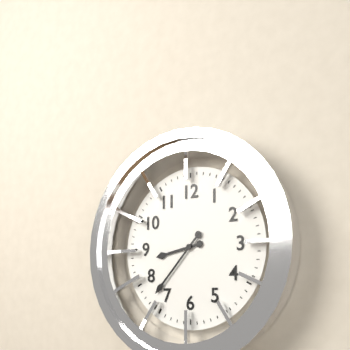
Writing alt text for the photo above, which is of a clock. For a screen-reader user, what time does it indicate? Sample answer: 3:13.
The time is 8:37
